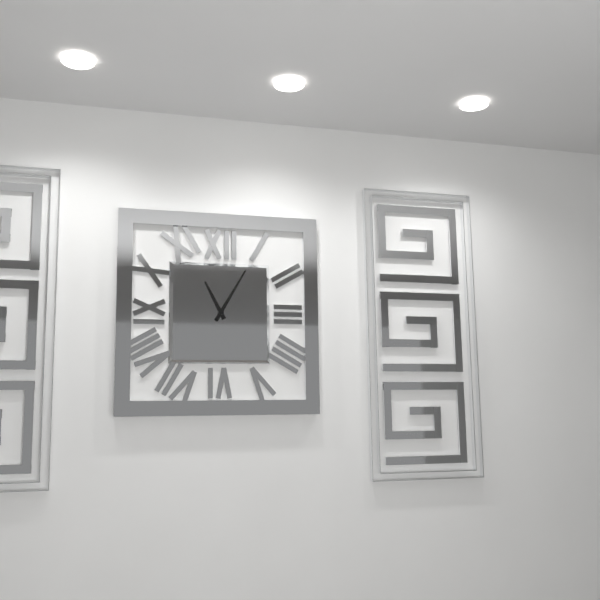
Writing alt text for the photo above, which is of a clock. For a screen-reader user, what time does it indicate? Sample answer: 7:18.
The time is 11:05
